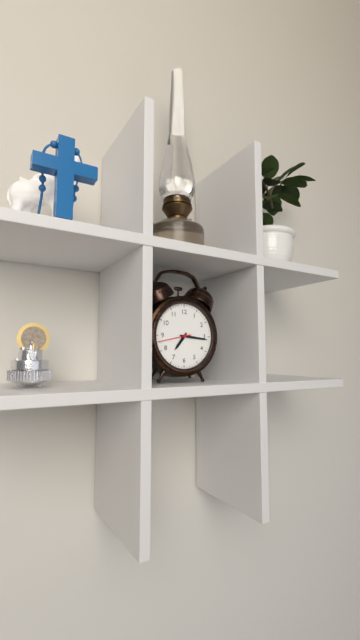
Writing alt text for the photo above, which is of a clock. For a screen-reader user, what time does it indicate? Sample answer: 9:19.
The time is 7:16
